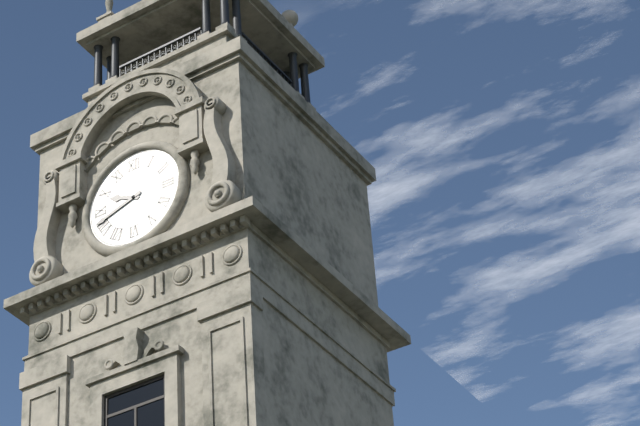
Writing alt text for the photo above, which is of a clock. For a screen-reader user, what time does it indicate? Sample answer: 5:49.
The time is 9:42
